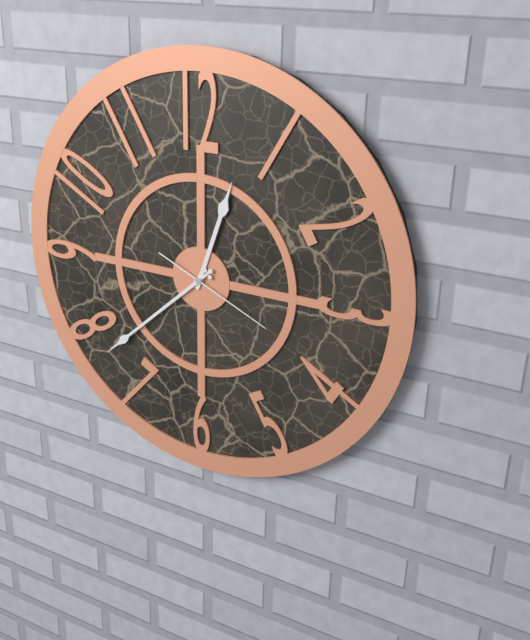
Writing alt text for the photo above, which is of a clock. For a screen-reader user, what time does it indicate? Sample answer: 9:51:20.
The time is 12:38:19
